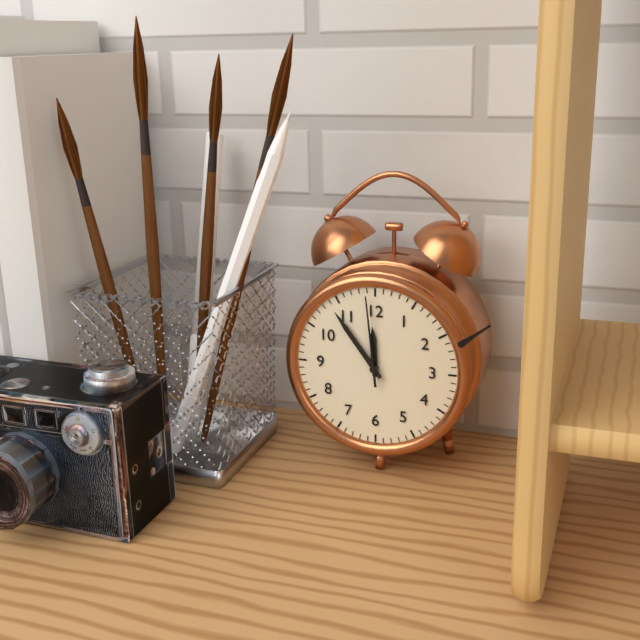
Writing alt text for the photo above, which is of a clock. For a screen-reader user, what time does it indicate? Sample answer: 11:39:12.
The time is 11:54:59
